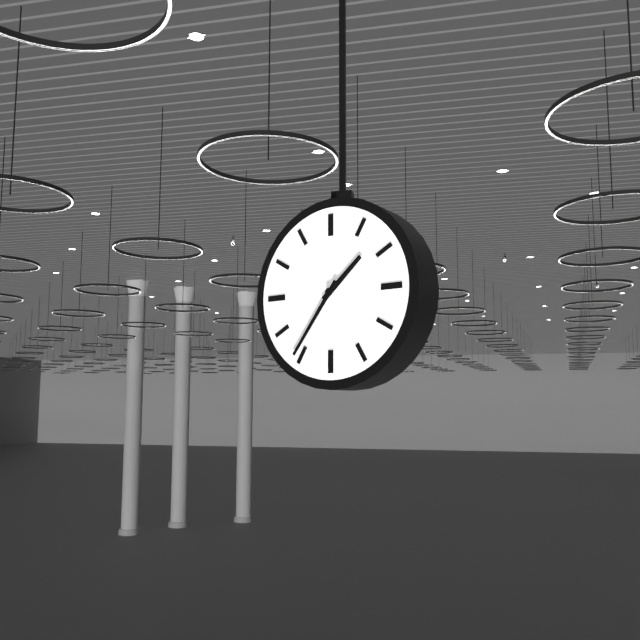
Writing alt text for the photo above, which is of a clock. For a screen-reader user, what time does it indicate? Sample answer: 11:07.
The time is 1:36
